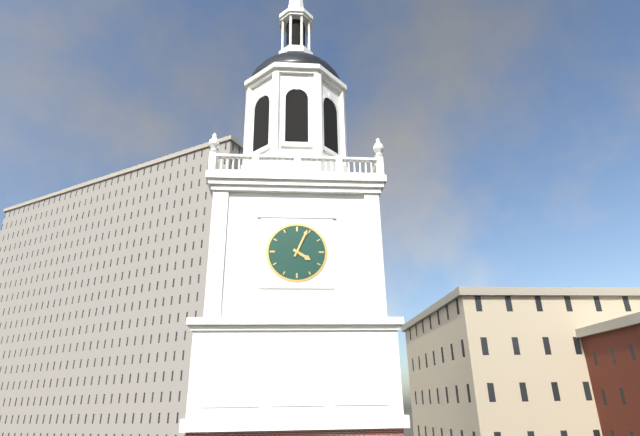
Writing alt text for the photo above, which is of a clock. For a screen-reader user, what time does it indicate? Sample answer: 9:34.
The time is 4:04
